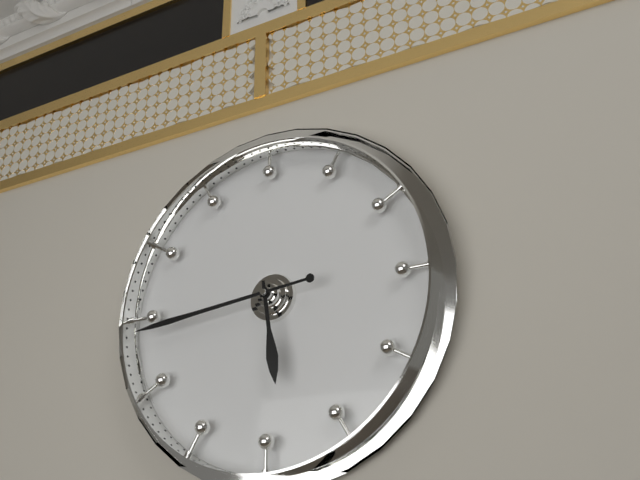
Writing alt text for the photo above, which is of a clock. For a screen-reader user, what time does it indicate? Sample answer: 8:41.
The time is 5:44
